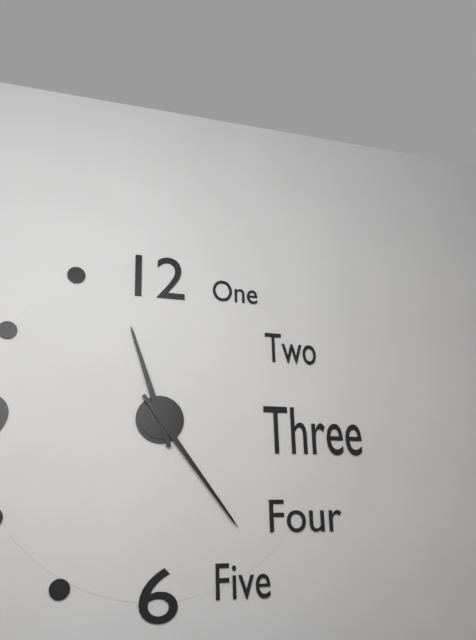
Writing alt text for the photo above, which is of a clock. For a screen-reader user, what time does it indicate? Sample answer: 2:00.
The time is 11:24
